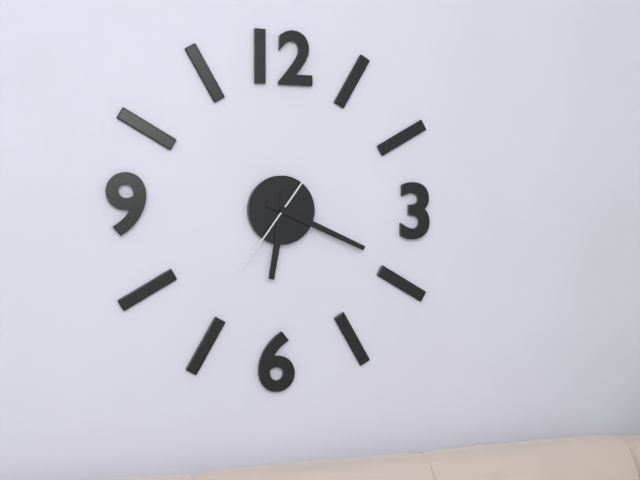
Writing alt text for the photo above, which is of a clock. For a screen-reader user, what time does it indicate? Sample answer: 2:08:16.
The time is 6:19:36
